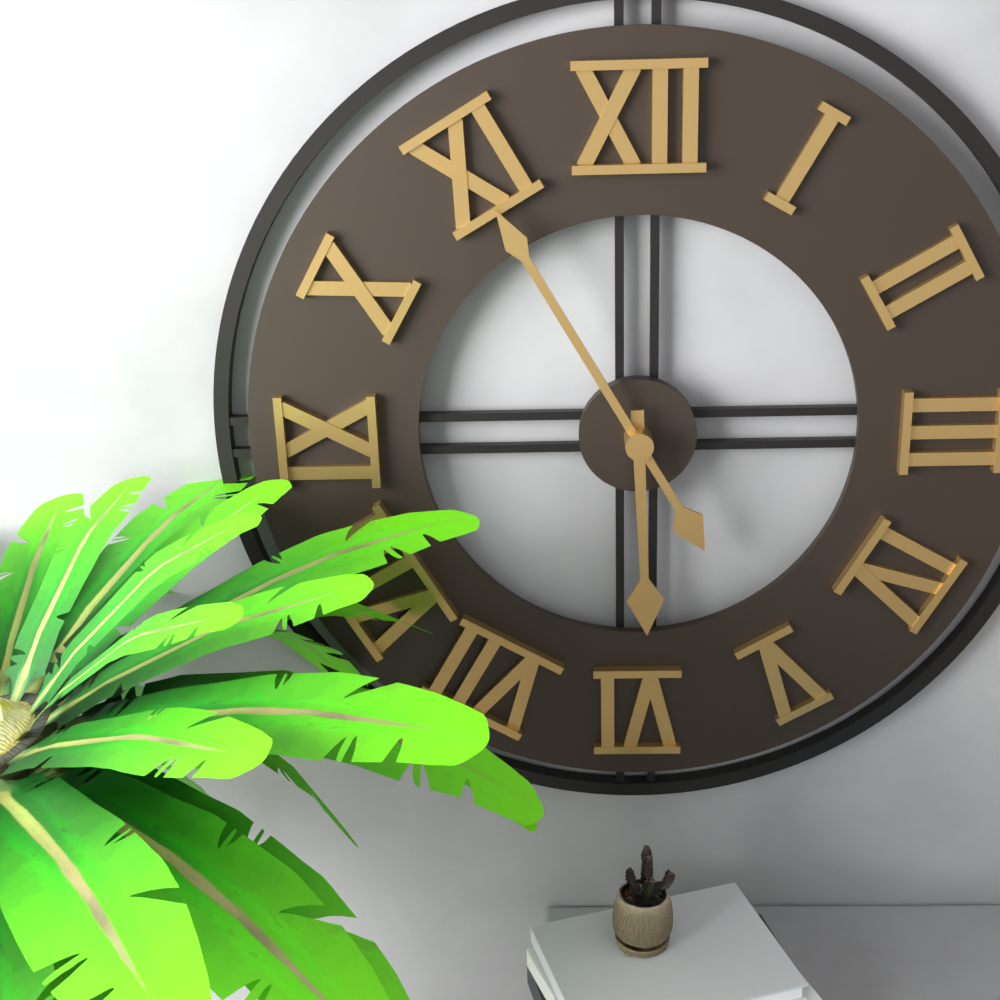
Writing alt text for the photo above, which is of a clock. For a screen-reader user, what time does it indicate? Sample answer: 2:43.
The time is 5:55
